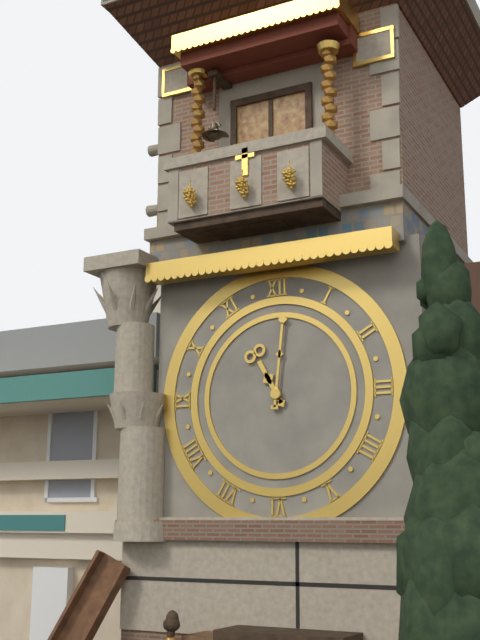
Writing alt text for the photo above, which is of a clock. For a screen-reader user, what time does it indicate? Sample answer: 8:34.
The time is 11:01
